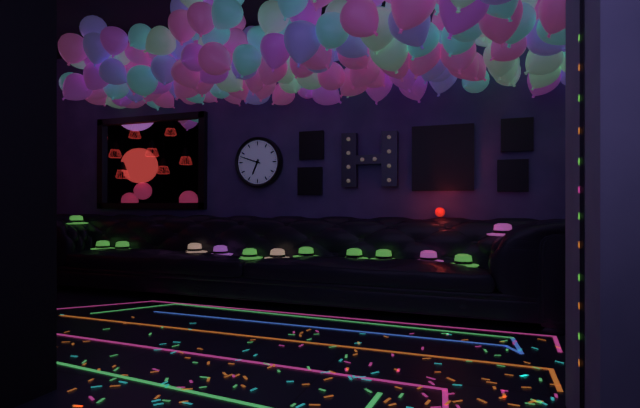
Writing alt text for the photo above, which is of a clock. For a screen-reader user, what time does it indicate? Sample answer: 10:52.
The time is 6:48
